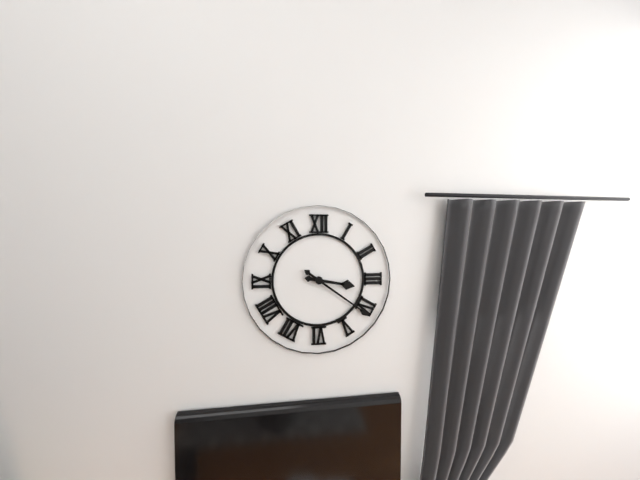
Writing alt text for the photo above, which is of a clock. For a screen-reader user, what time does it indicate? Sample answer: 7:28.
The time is 3:21
